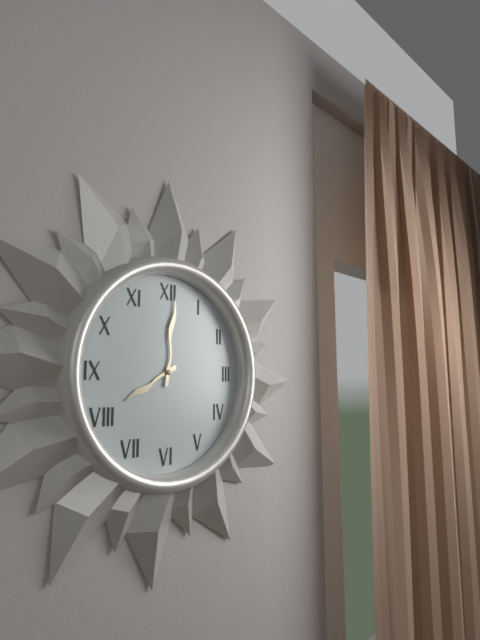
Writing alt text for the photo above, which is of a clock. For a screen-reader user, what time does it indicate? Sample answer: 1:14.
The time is 8:01
